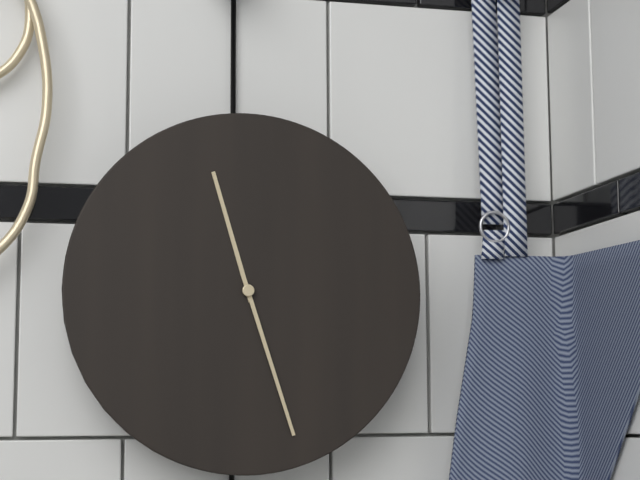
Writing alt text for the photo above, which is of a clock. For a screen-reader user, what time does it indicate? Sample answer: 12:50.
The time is 11:27
